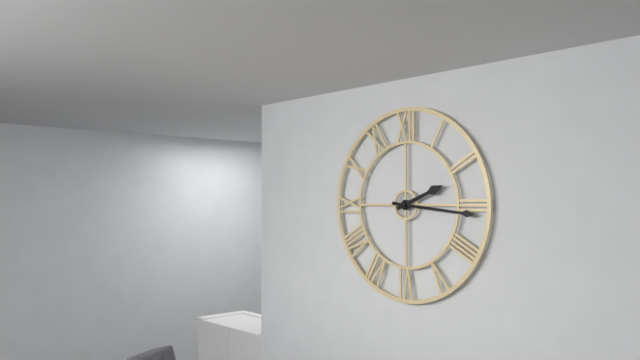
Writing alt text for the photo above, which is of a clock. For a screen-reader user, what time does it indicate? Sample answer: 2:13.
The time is 2:16
